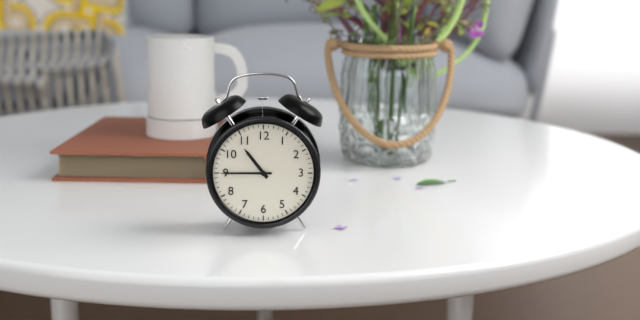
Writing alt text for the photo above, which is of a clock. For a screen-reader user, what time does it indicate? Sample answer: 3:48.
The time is 10:45
